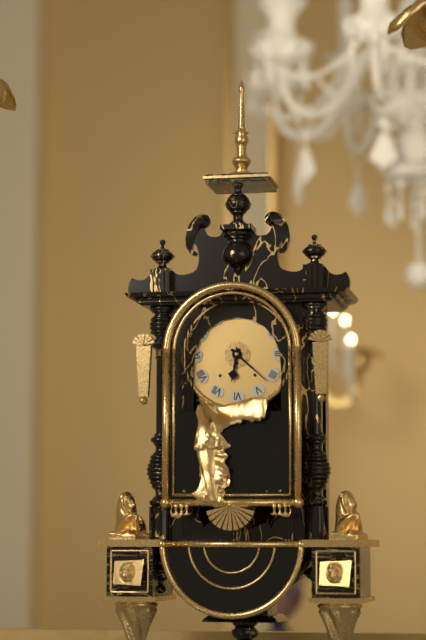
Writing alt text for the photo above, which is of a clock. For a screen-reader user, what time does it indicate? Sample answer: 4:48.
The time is 6:22
